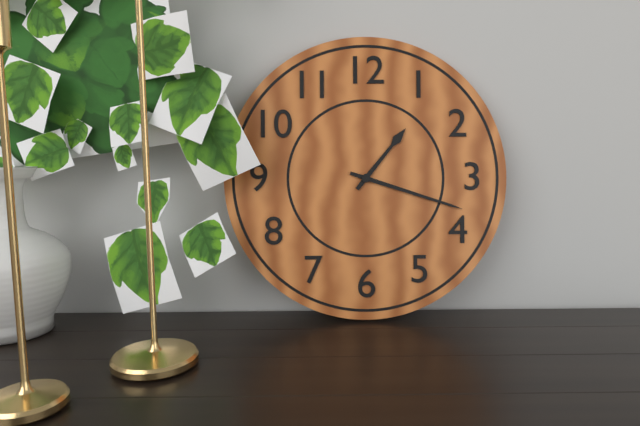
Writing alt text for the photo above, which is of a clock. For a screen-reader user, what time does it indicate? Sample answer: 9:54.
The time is 1:18
